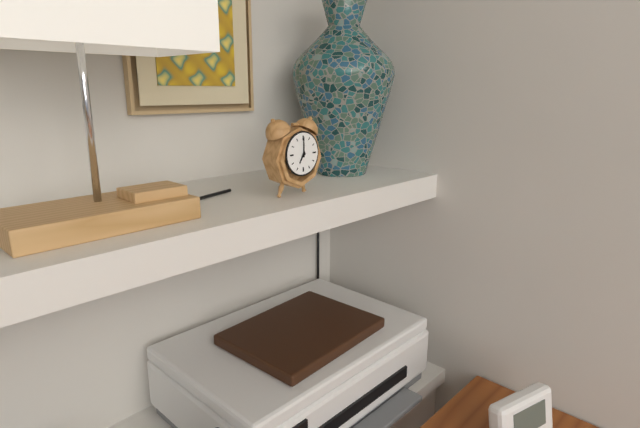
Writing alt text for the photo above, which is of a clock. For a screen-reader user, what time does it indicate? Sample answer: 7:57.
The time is 7:00
